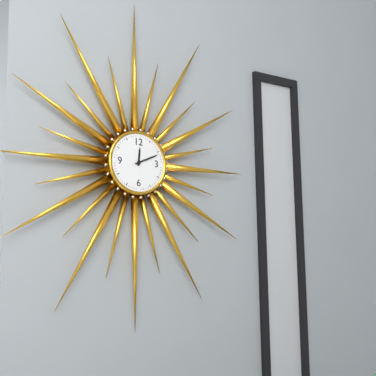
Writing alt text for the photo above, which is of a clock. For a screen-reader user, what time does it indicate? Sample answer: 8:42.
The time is 12:11
